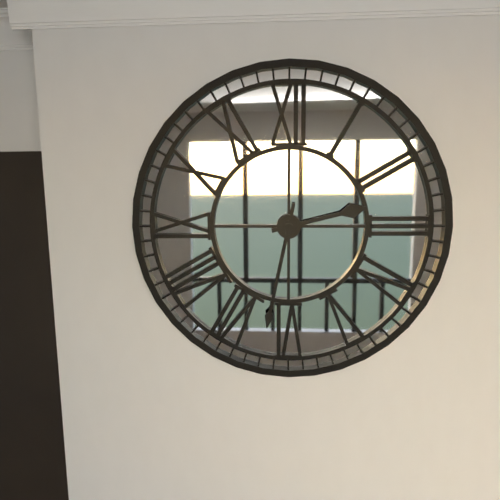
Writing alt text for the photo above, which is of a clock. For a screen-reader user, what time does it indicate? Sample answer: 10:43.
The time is 2:32
